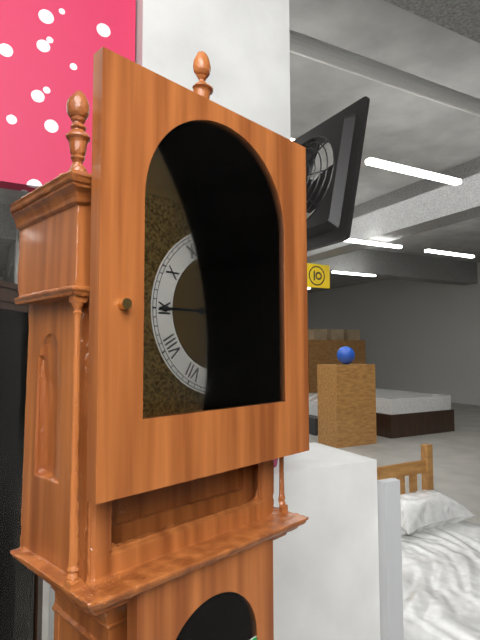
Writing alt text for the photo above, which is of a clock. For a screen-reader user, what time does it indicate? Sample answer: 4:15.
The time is 5:45
